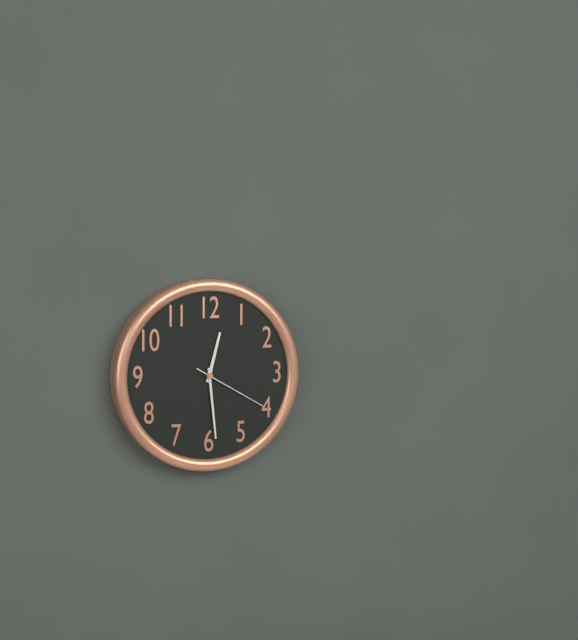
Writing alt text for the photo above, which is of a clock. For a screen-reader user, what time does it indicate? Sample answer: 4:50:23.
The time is 12:29:20
